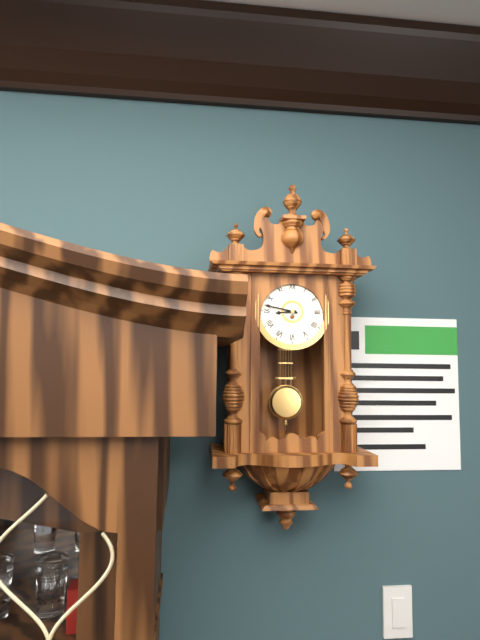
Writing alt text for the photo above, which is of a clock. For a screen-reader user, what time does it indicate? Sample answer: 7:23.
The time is 8:47
